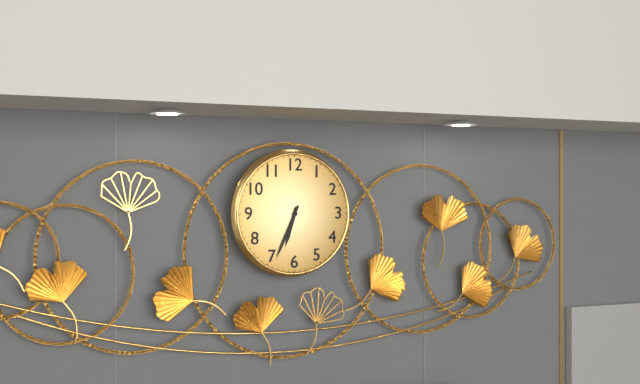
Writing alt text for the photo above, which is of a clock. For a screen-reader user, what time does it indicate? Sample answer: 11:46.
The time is 6:34
